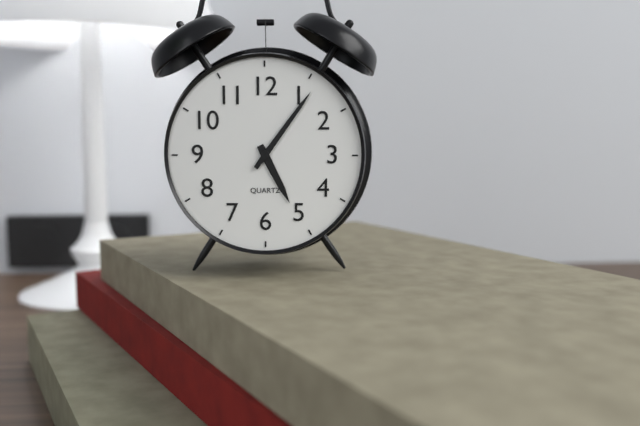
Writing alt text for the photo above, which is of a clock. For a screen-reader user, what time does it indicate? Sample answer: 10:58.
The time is 5:06
